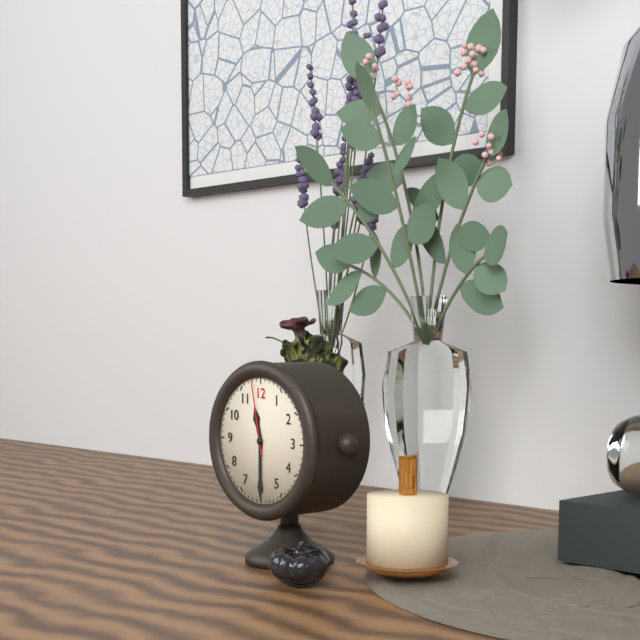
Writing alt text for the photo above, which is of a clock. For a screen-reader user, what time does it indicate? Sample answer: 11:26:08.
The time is 11:30:58
